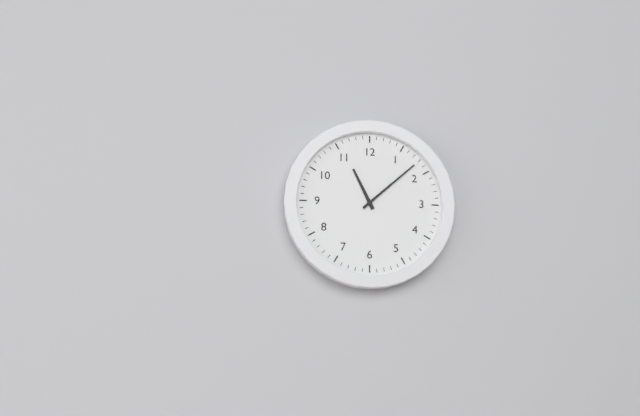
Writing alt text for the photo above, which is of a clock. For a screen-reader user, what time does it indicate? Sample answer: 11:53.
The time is 11:08
